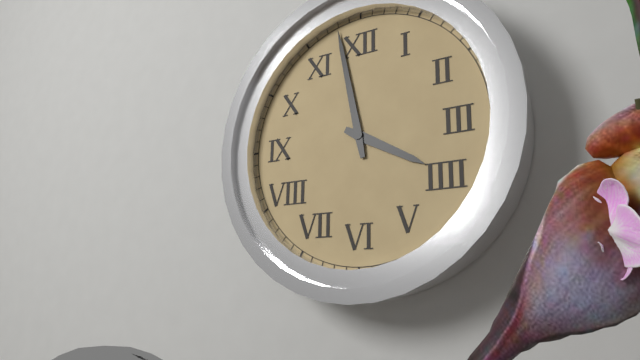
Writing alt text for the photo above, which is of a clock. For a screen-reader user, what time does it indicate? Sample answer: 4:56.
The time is 3:58
